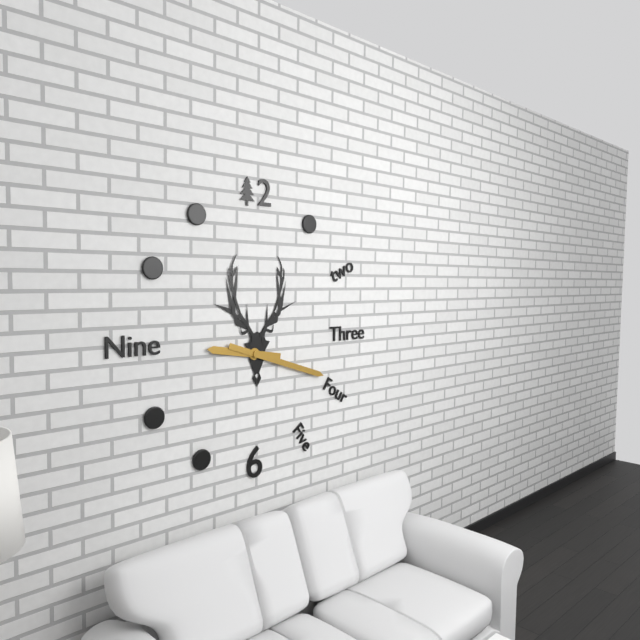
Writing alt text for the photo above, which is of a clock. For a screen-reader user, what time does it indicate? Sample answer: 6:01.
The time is 9:18
